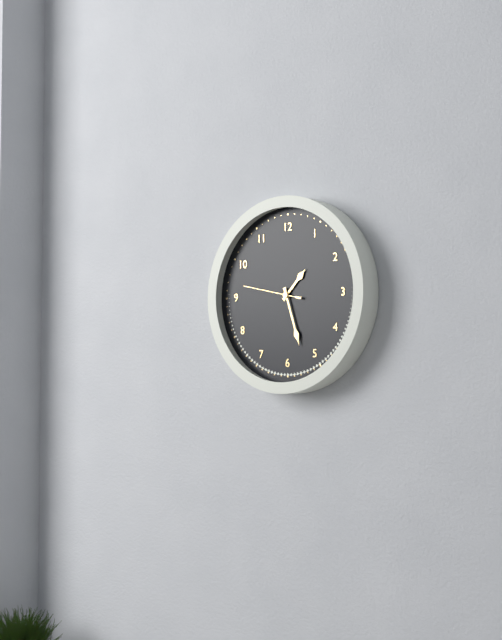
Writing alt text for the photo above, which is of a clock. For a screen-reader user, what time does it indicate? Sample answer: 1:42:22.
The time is 1:27:47
